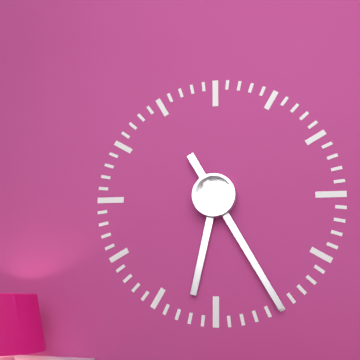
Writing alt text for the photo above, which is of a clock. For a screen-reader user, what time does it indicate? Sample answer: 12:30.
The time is 6:25
